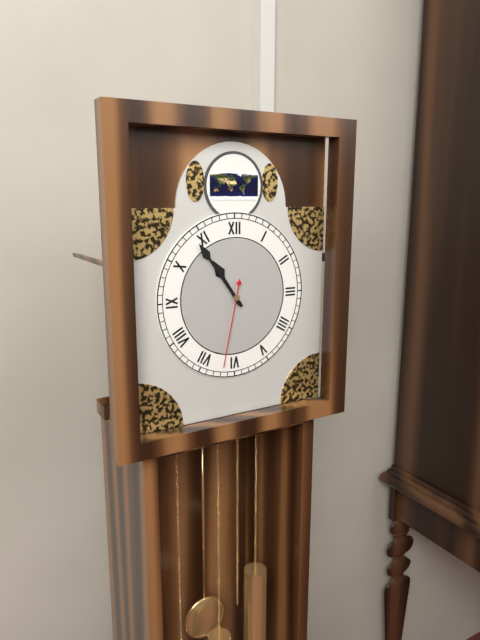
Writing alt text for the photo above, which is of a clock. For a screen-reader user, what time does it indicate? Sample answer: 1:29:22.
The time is 10:54:32
